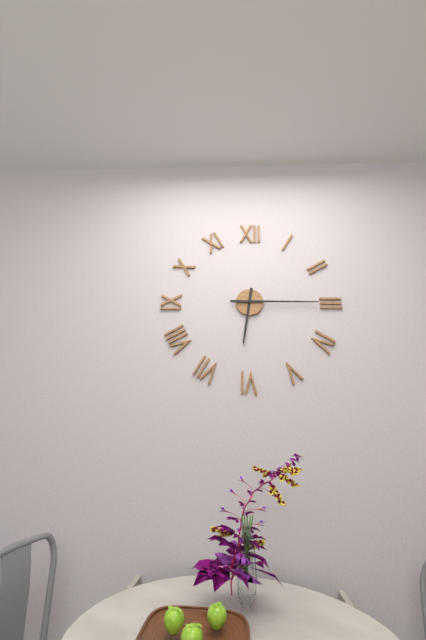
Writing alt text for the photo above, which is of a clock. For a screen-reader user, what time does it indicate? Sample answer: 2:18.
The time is 6:15
